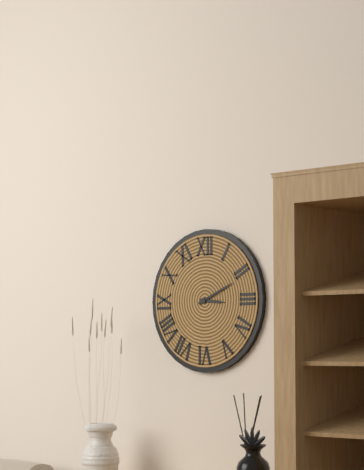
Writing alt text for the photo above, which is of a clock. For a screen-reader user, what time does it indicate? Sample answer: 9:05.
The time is 3:11
